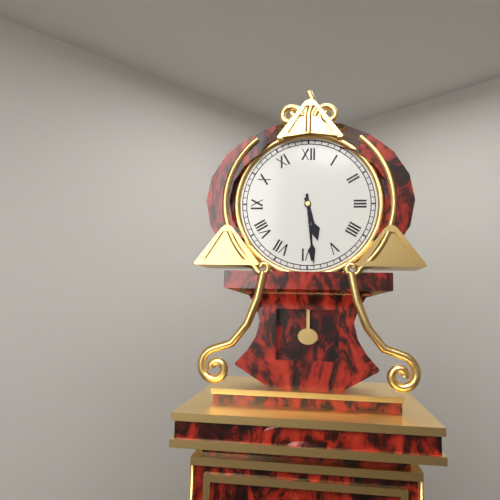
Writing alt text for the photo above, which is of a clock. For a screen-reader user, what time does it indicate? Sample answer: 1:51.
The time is 5:29
